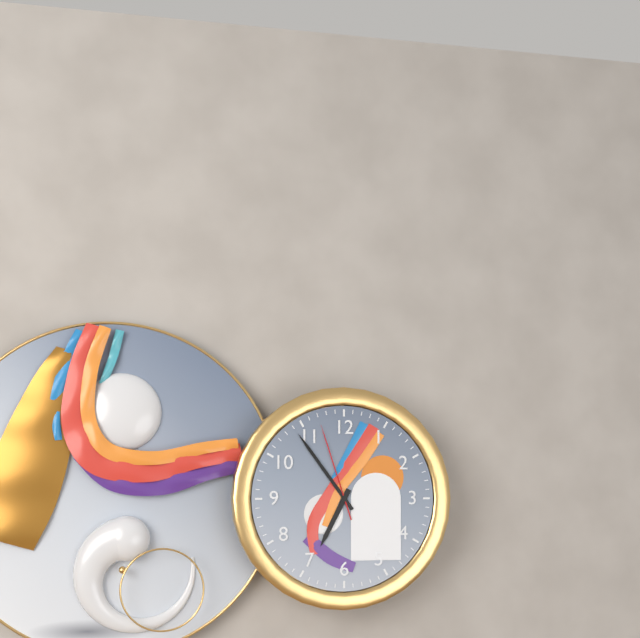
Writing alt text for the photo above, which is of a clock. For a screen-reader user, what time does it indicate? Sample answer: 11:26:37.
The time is 6:54:57
